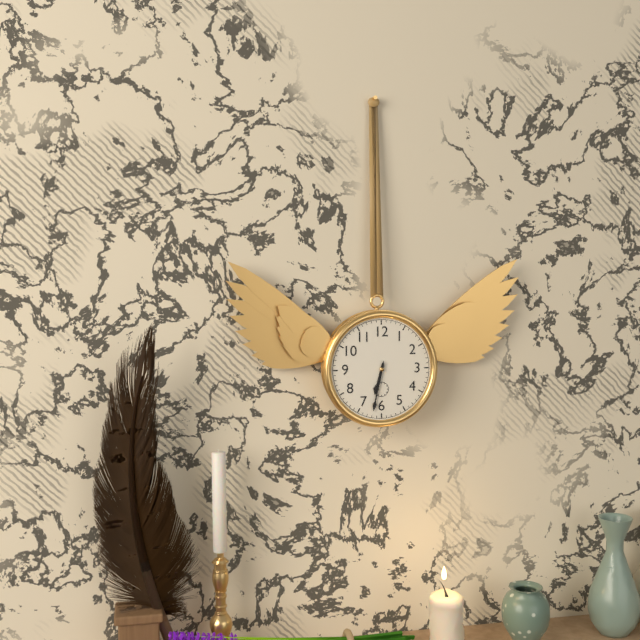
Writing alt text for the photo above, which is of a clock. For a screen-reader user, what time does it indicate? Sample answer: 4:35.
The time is 6:32
